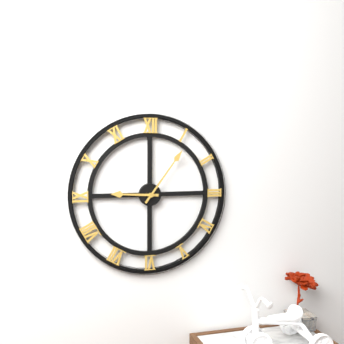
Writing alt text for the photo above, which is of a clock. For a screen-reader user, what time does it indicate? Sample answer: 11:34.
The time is 9:06
